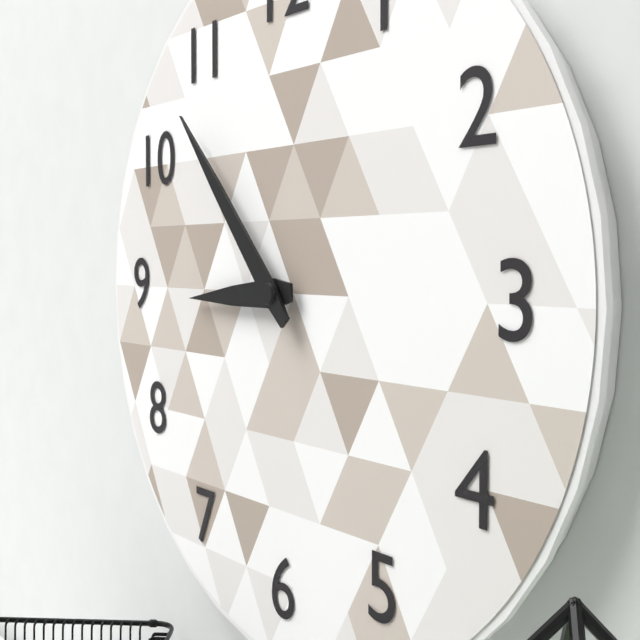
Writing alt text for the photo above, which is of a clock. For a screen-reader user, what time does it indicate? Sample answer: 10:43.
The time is 8:53
